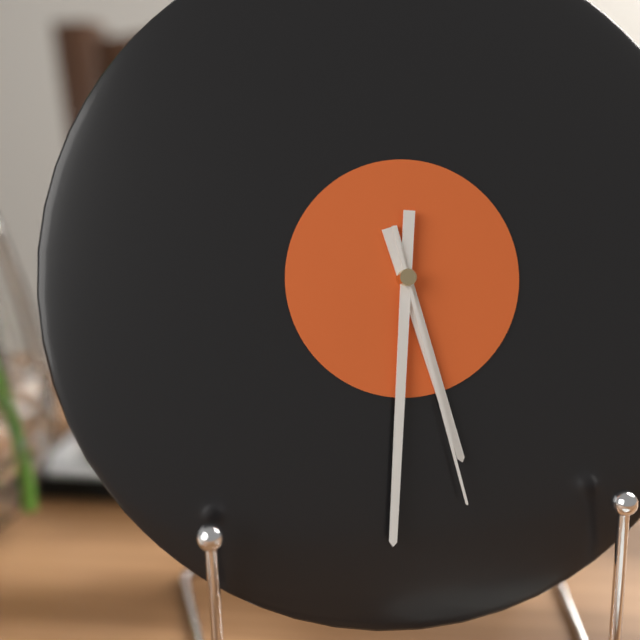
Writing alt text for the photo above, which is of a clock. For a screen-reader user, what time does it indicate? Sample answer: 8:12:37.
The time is 5:31:28
